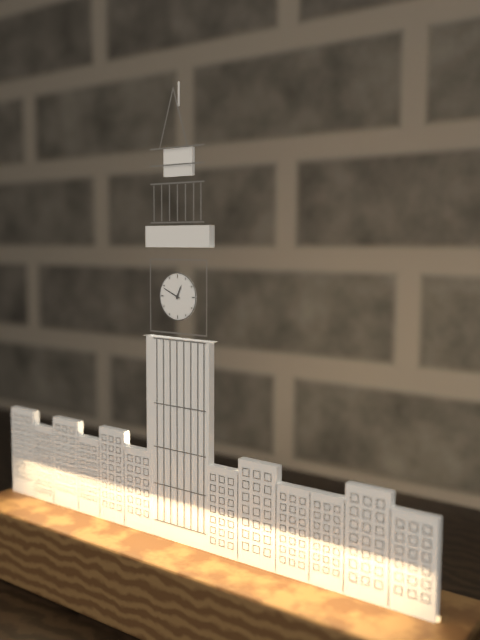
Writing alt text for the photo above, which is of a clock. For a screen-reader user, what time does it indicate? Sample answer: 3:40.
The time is 12:49
